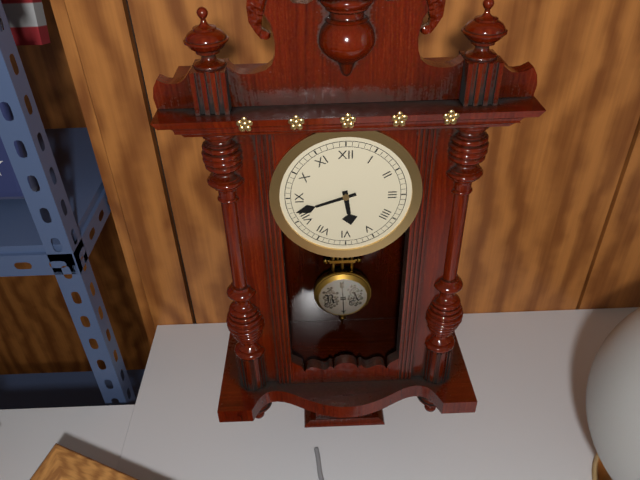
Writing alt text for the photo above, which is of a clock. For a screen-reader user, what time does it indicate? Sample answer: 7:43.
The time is 5:42
